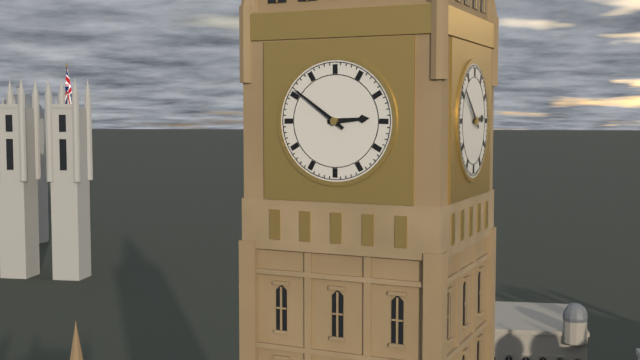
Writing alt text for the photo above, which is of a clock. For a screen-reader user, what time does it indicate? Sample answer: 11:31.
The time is 2:51
